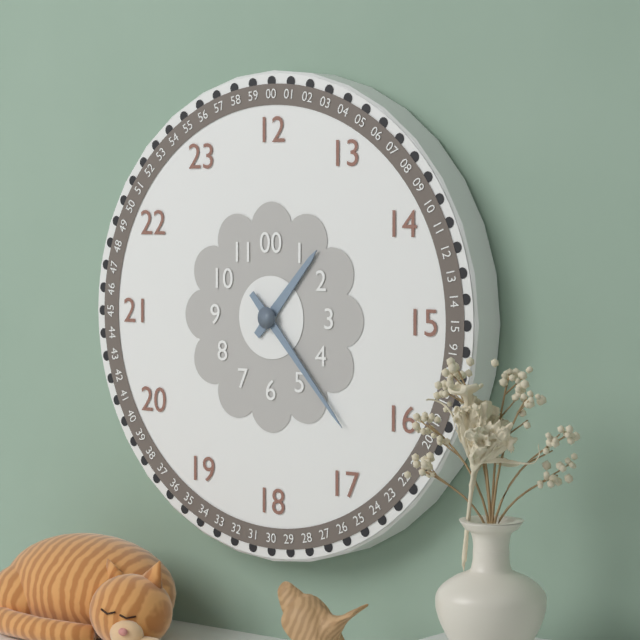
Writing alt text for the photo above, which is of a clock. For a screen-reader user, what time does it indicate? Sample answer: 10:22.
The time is 1:23
